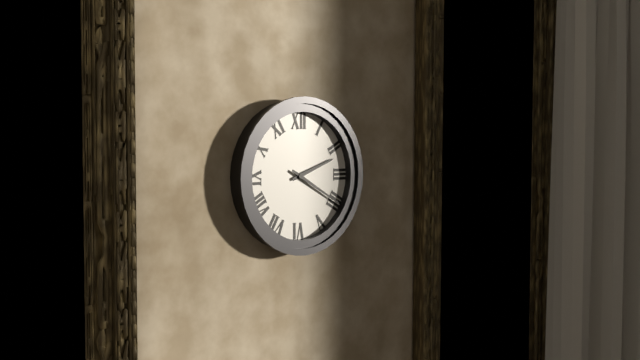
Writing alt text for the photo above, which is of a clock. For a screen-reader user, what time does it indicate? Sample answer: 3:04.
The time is 2:20
